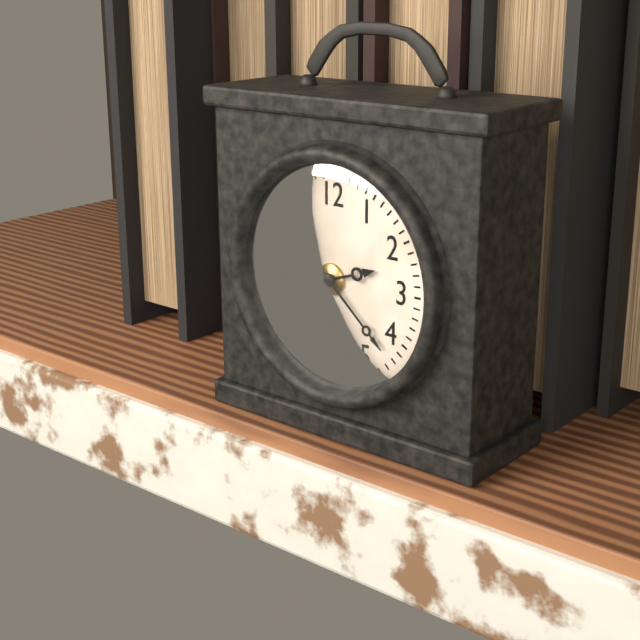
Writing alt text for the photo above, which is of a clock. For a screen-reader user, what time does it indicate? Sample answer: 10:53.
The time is 2:22
